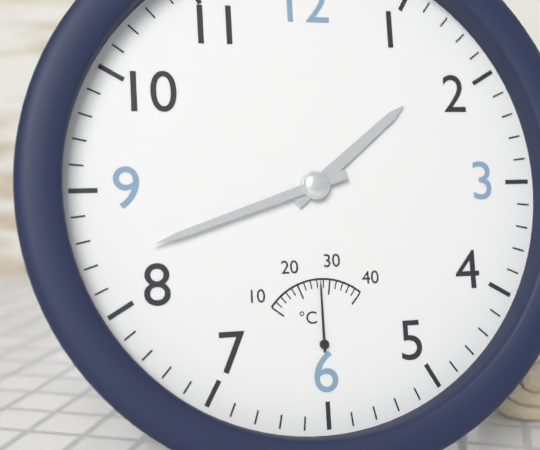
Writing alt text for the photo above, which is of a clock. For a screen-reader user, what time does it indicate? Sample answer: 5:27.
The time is 1:42
